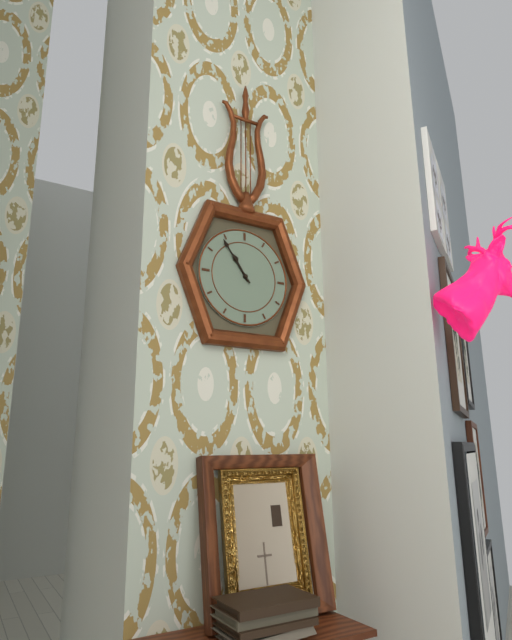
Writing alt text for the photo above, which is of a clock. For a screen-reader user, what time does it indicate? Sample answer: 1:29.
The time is 10:54
